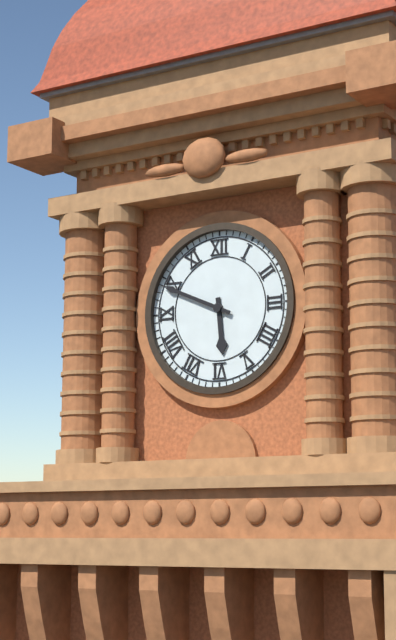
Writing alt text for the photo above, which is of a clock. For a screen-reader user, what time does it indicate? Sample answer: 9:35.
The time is 5:49
